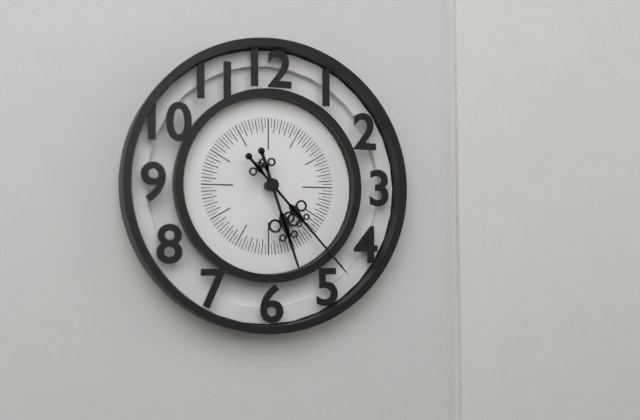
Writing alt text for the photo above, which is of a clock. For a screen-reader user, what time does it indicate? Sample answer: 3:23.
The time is 5:23
